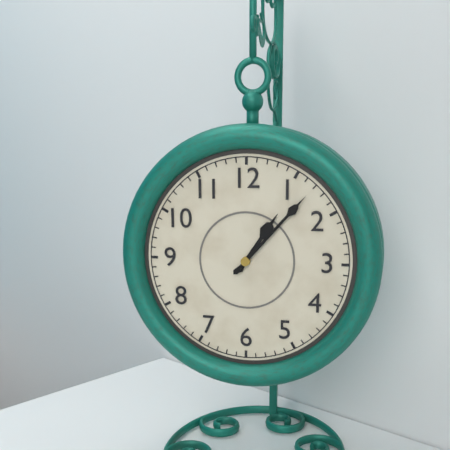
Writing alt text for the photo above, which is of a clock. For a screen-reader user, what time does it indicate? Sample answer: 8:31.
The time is 1:07
